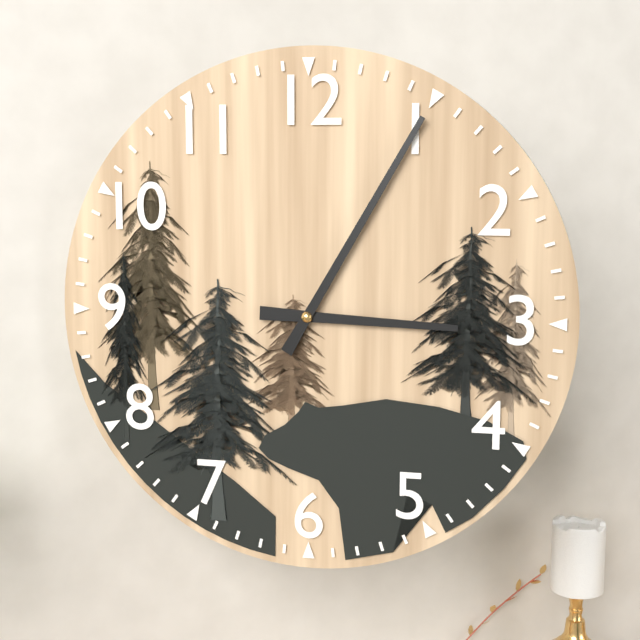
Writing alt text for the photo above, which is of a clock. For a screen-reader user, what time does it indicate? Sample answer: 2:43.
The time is 3:05
